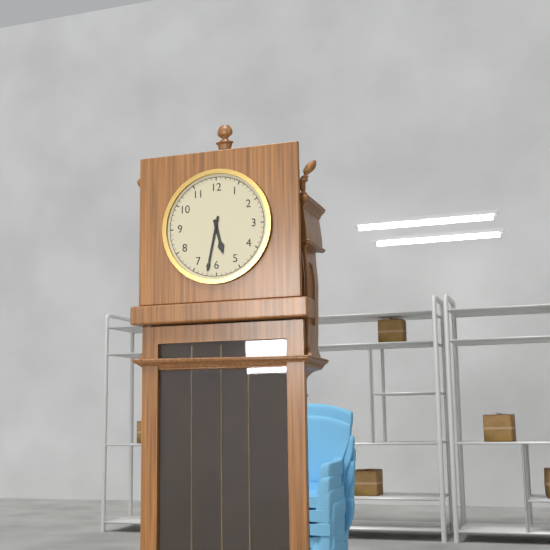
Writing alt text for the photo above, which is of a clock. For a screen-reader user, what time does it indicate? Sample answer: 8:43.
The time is 5:32
